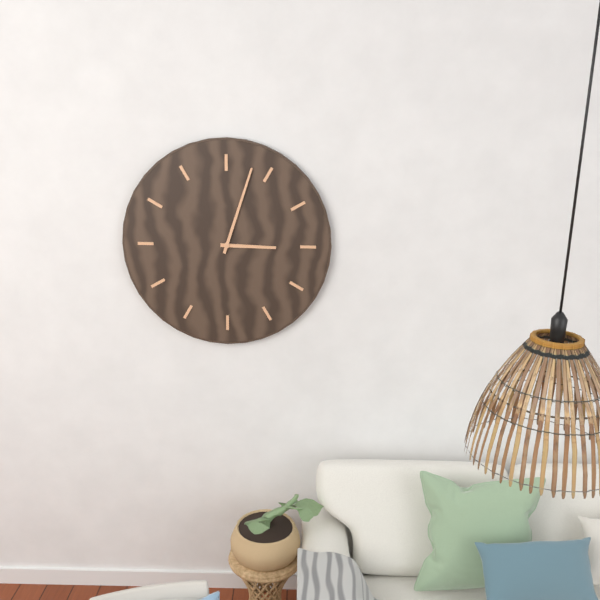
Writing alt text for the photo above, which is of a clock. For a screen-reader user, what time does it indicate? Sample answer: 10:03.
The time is 3:03
